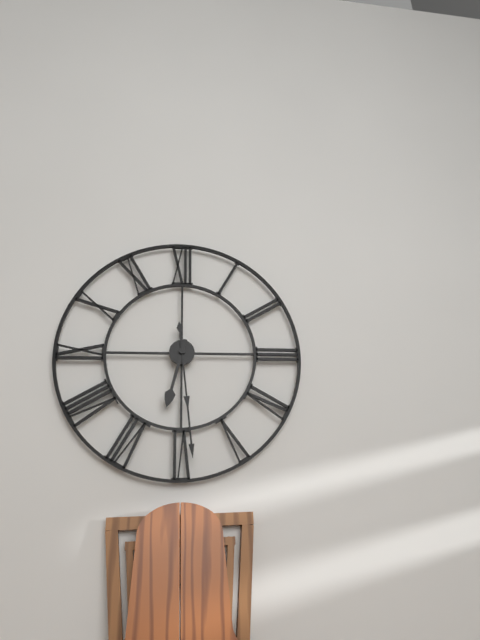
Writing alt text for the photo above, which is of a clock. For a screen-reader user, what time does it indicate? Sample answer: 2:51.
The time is 6:29
